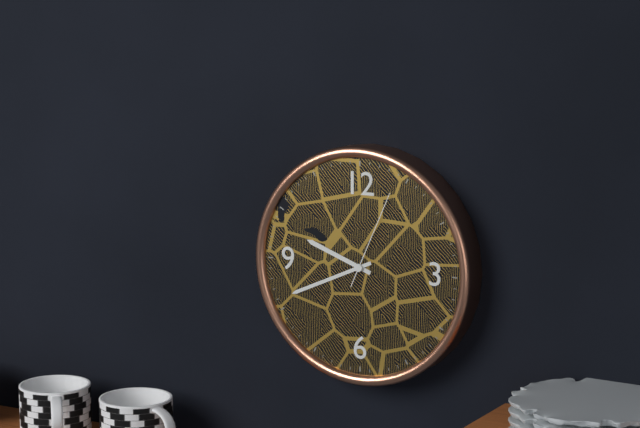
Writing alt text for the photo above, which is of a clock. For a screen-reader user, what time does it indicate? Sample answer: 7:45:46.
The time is 9:41:04
